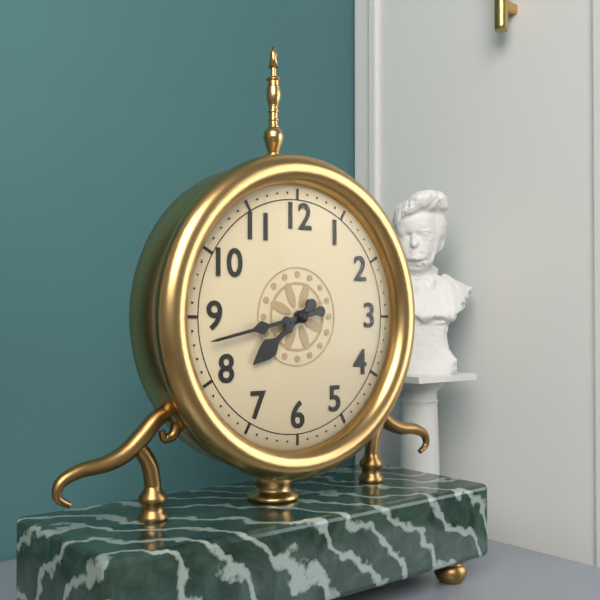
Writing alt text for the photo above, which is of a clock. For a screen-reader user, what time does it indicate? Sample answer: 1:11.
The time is 7:43
